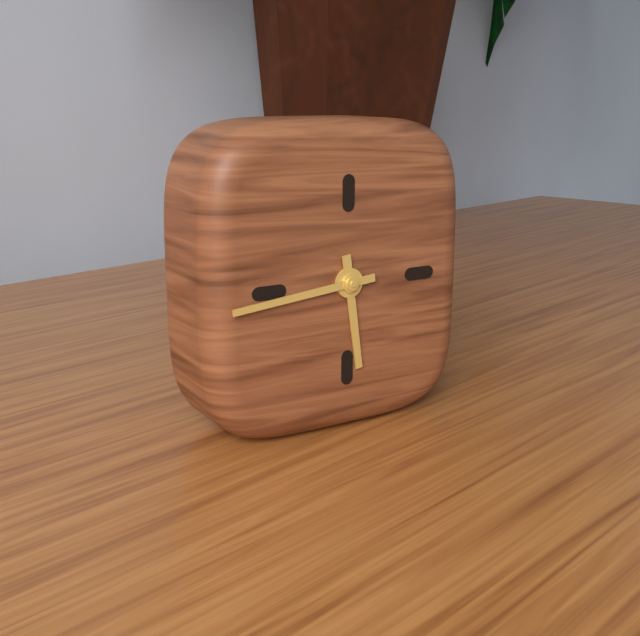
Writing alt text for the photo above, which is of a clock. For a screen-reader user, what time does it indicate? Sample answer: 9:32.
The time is 5:44
